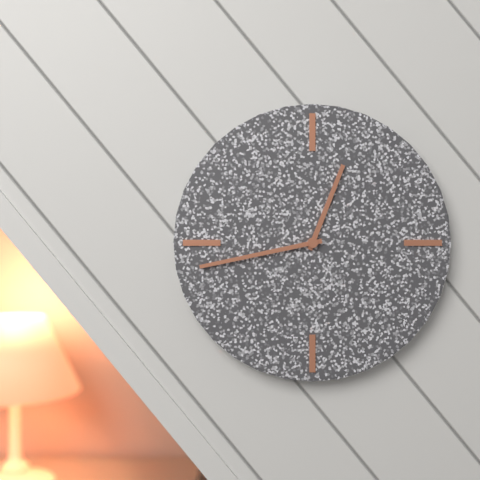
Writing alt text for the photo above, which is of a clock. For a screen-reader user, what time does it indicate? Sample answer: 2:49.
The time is 12:43
